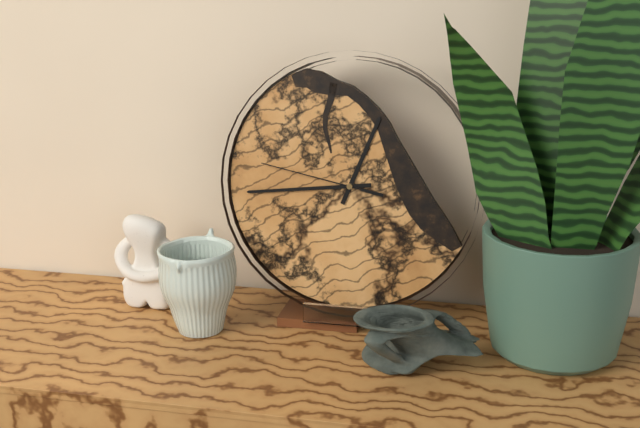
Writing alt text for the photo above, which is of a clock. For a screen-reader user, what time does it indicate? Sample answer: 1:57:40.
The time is 12:44:47
